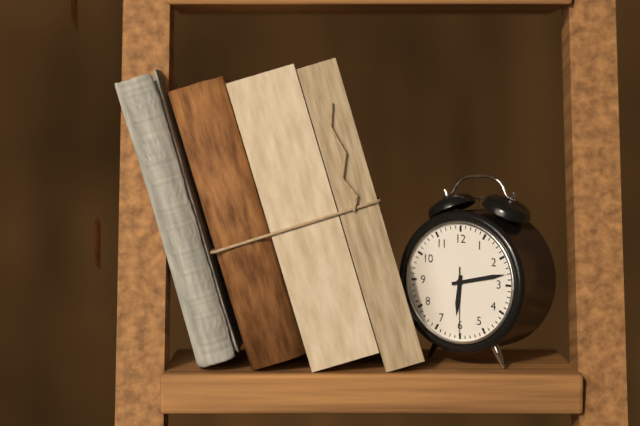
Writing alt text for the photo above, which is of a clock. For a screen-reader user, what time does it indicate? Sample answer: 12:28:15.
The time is 6:13:30
